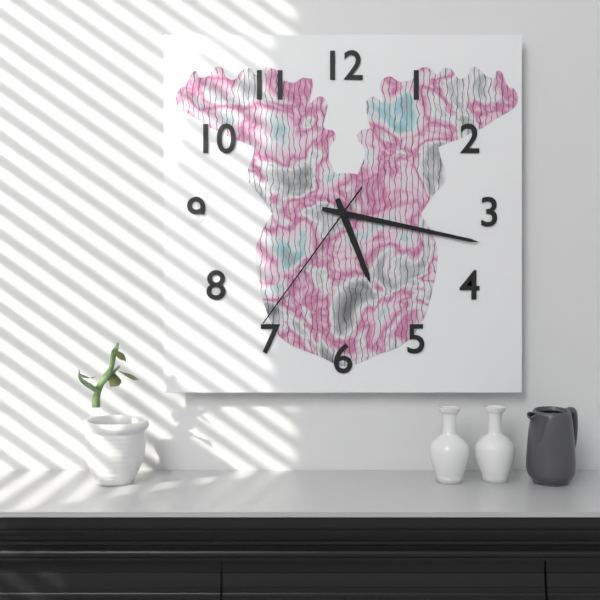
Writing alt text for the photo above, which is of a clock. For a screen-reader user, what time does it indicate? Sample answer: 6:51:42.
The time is 5:17:36
